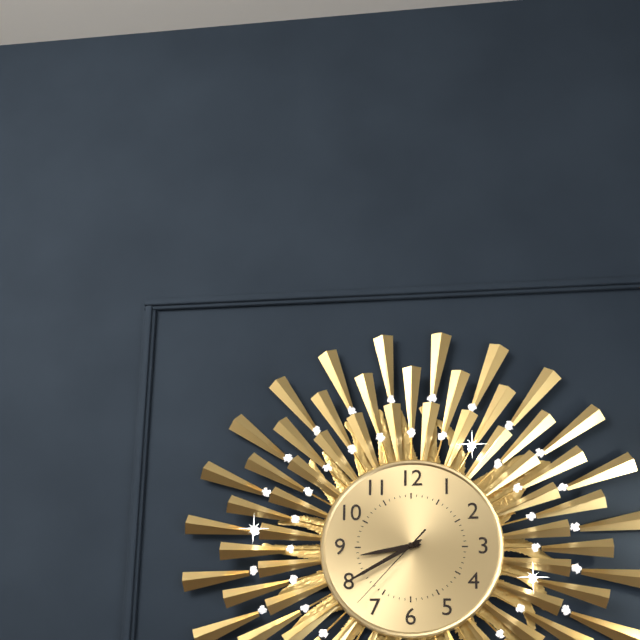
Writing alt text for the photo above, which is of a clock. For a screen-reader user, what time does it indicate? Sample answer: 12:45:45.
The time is 8:40:37
